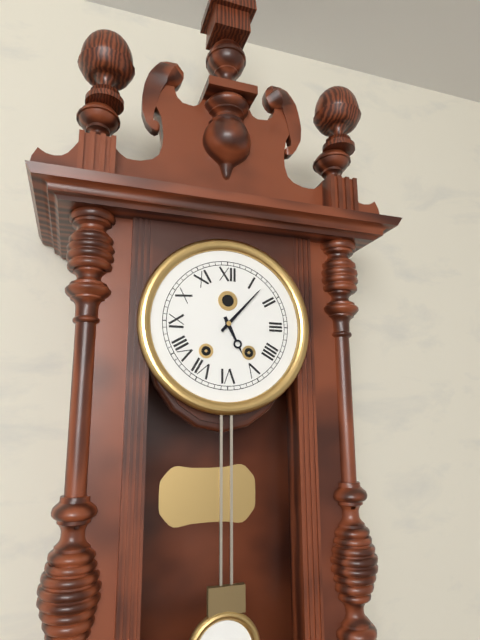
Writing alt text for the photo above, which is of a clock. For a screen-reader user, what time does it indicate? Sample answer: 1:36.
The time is 5:07
